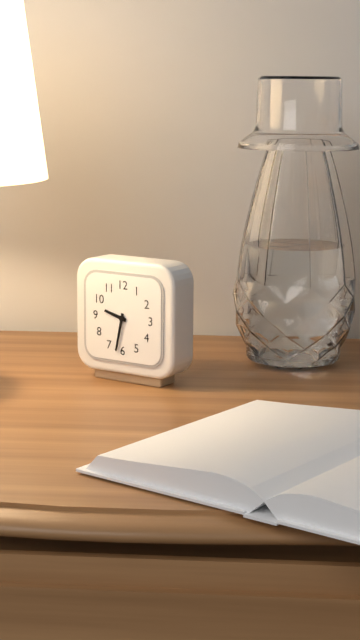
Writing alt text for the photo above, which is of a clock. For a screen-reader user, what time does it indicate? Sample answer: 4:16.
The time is 9:32
